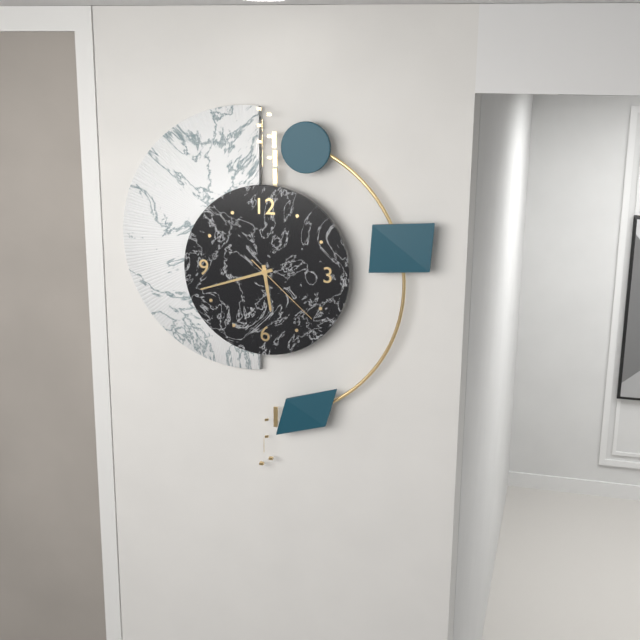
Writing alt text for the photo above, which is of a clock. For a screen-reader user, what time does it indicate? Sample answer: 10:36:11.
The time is 5:42:22
